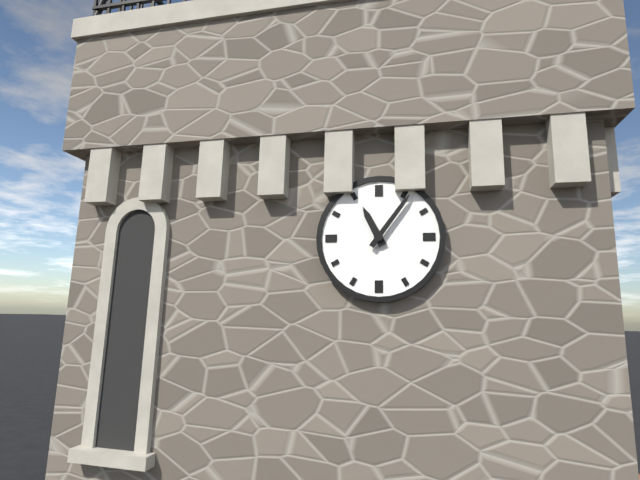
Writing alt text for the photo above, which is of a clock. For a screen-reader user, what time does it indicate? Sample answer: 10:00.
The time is 11:06
